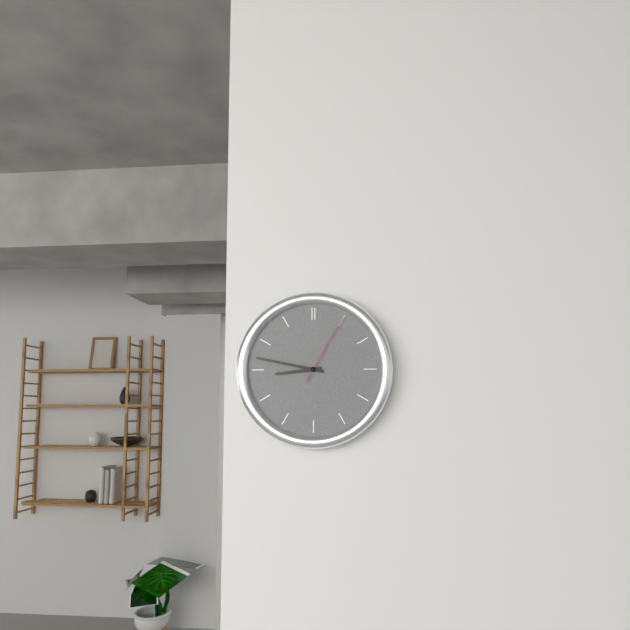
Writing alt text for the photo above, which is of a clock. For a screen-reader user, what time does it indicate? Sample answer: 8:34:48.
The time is 8:47:05
